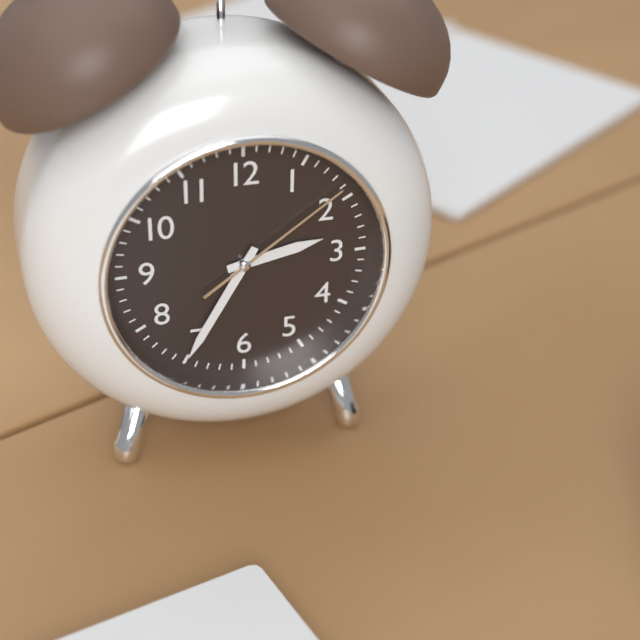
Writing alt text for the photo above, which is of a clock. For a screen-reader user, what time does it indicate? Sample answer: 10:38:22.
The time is 2:35:09
